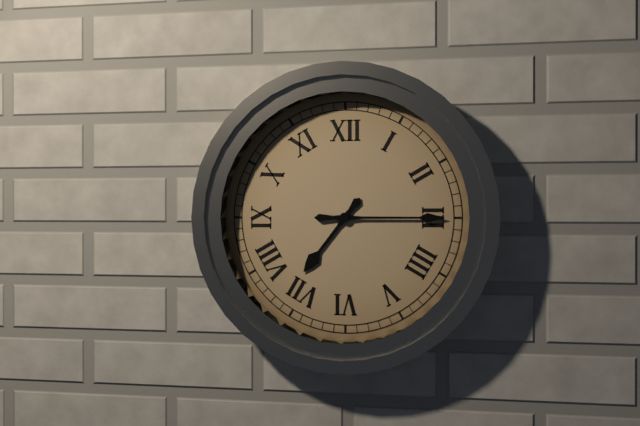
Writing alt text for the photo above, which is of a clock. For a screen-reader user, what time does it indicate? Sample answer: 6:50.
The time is 7:15
